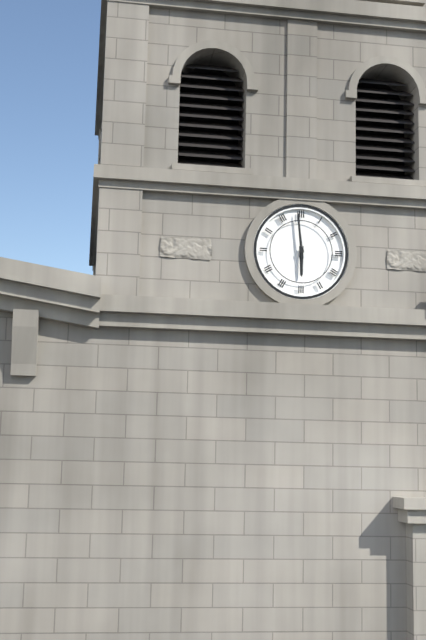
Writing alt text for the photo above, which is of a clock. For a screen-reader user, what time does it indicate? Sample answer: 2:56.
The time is 5:59
